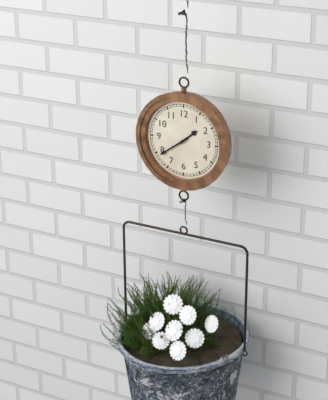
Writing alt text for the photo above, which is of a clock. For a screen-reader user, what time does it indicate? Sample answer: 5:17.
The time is 1:39
